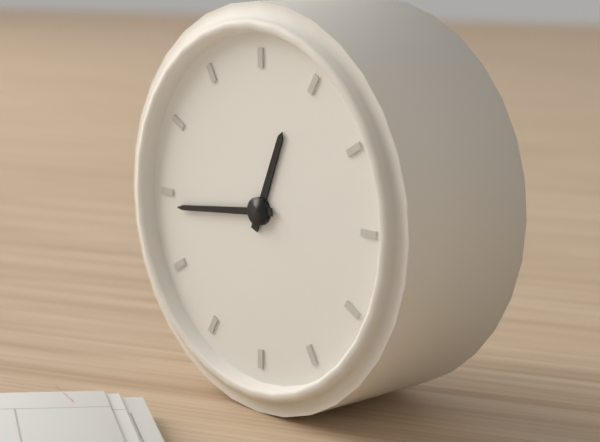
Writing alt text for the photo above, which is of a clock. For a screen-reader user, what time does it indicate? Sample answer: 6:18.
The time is 12:44
